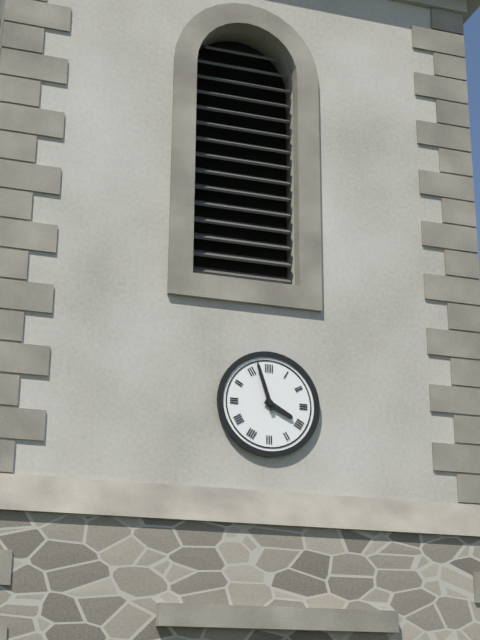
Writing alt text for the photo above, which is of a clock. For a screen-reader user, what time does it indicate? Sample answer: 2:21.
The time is 3:57
